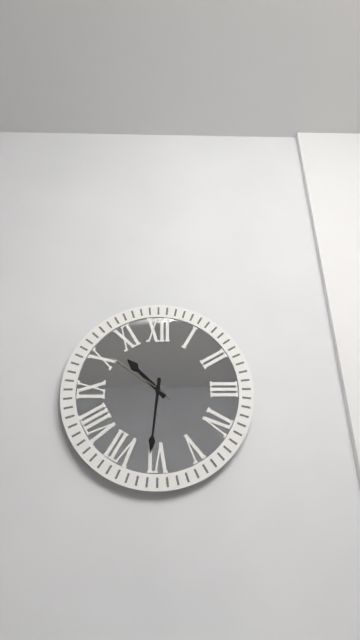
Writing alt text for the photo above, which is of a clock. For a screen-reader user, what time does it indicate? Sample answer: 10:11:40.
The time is 10:31:51
